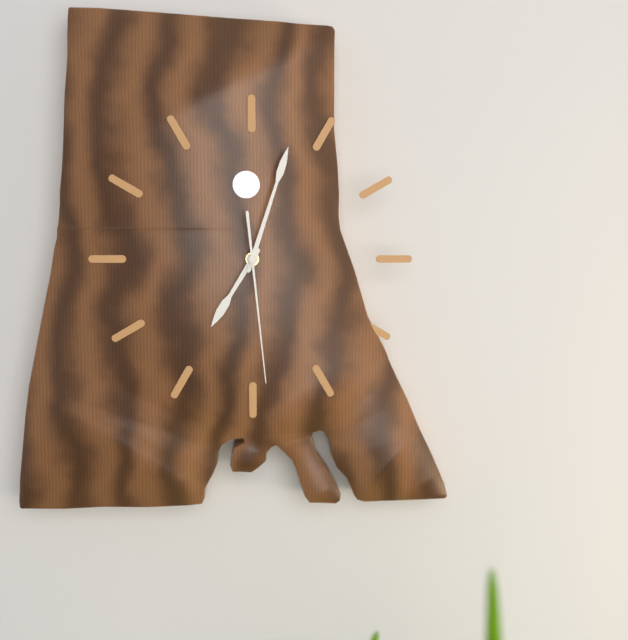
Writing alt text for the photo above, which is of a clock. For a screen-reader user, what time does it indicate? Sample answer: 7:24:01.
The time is 7:03:29
